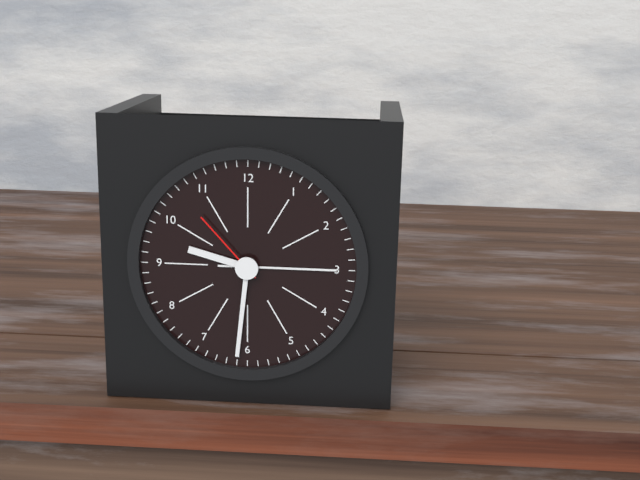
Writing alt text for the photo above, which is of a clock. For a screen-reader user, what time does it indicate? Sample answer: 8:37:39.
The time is 9:31:53
